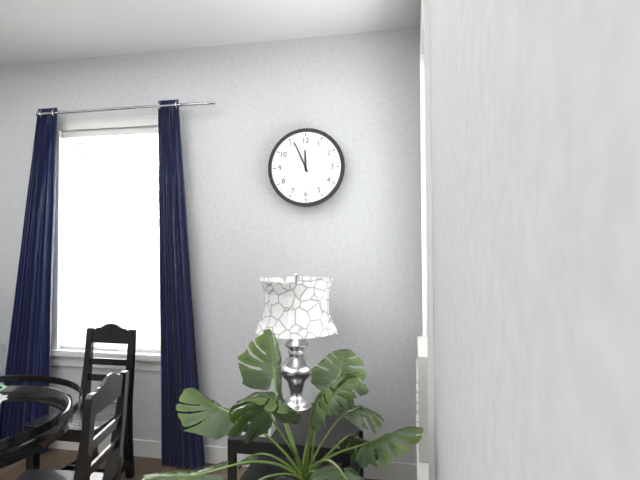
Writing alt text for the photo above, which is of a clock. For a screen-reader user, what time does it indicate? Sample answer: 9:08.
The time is 11:56
